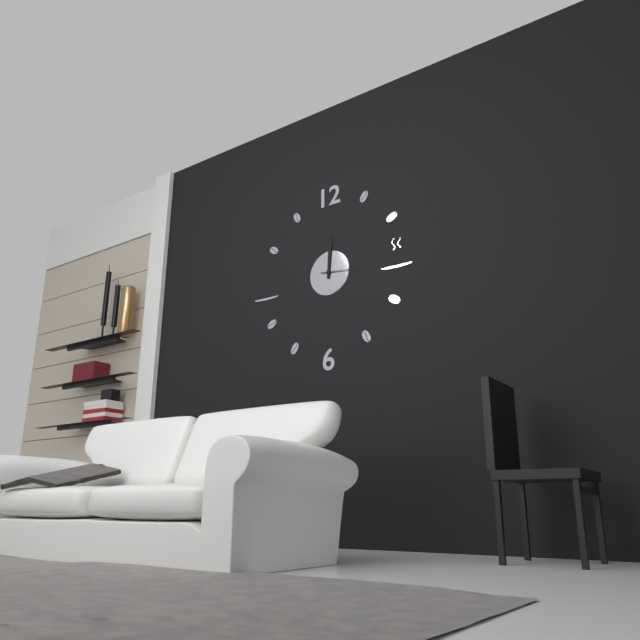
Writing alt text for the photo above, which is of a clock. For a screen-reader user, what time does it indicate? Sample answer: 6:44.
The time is 12:01
